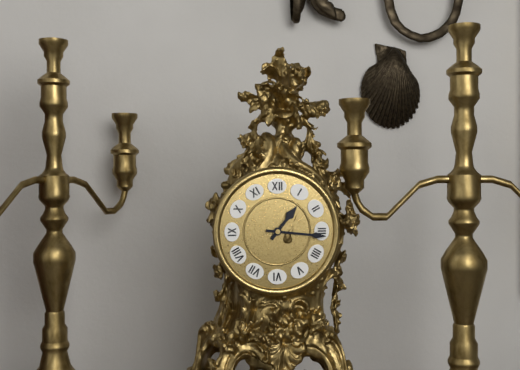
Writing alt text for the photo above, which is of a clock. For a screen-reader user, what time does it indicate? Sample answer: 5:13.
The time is 1:16
